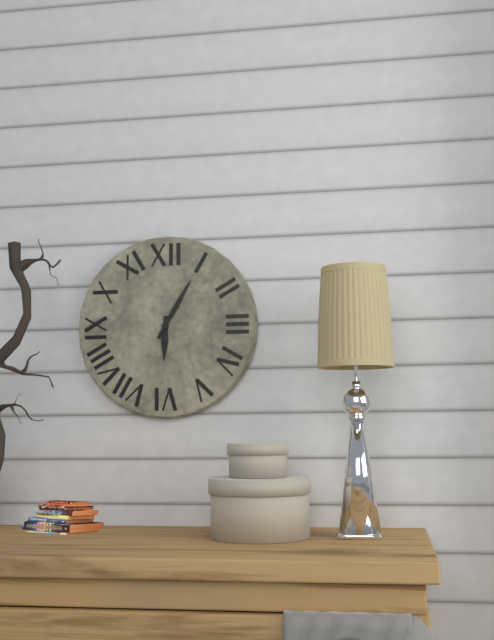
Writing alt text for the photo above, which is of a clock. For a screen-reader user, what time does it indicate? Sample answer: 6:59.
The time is 6:05
